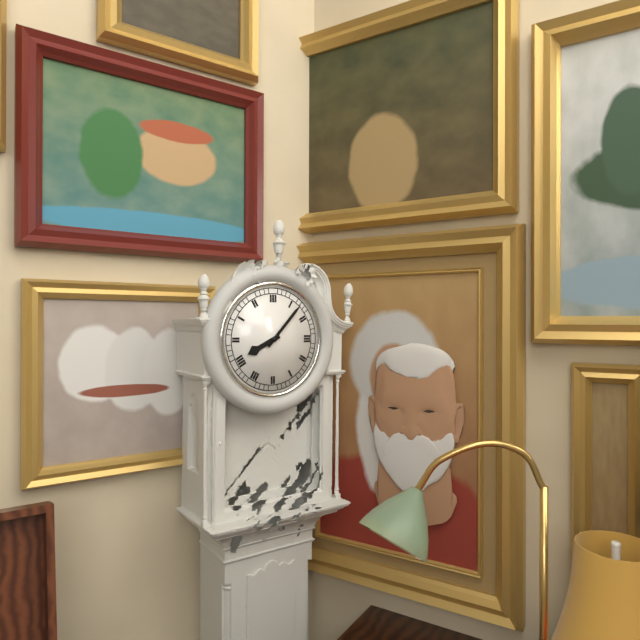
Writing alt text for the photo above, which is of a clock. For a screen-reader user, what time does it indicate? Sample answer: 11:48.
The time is 8:07
